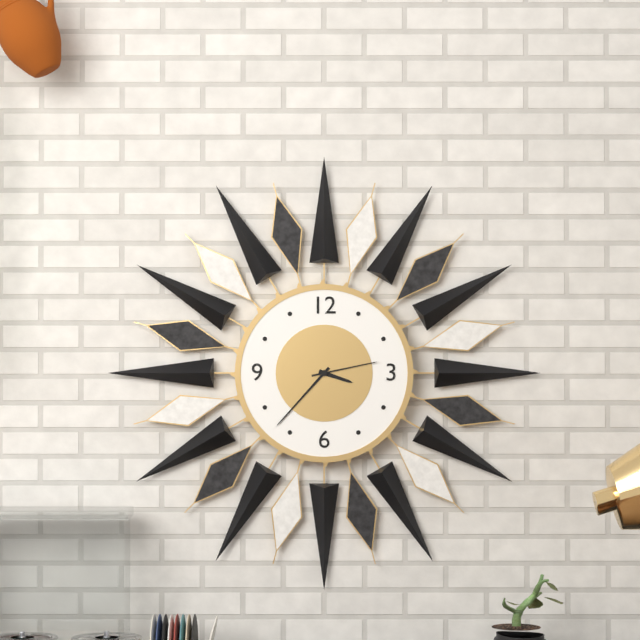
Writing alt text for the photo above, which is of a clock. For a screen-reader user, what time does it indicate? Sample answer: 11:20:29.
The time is 3:37:13
